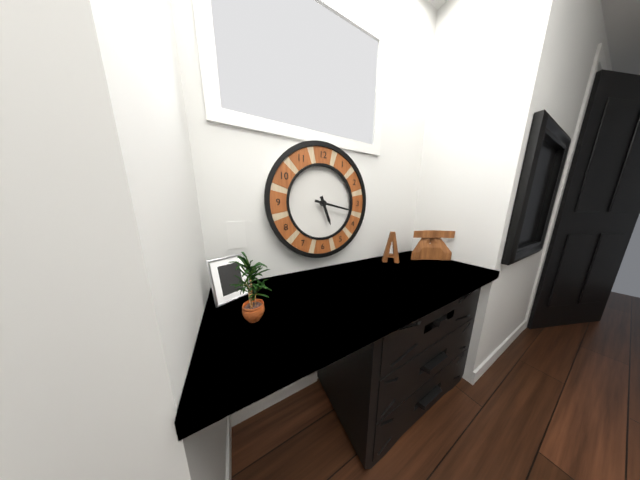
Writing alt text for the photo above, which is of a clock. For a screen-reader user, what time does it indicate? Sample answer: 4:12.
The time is 5:17
